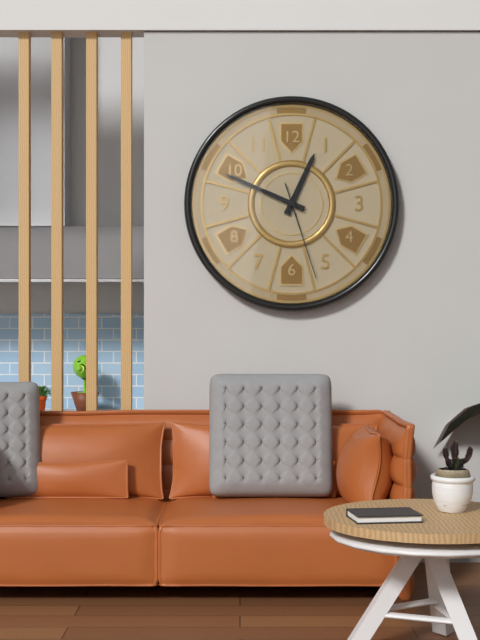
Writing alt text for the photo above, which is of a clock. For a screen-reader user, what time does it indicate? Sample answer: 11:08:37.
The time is 12:49:27
